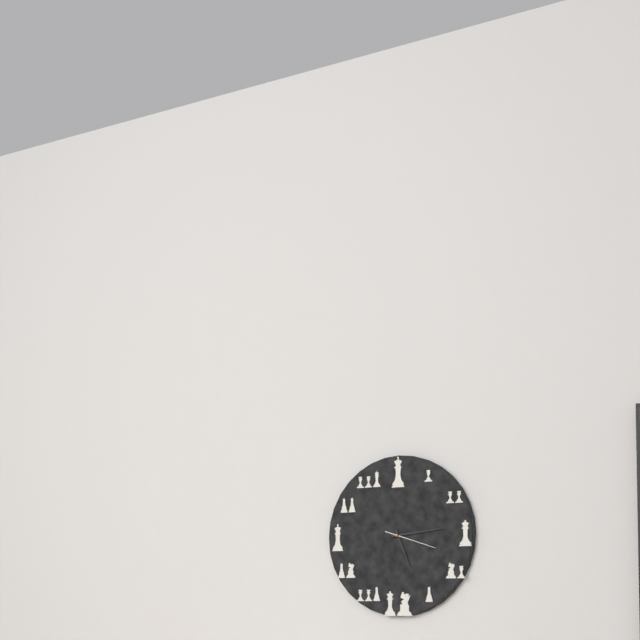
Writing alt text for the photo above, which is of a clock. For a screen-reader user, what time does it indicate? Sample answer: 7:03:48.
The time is 5:14:18
